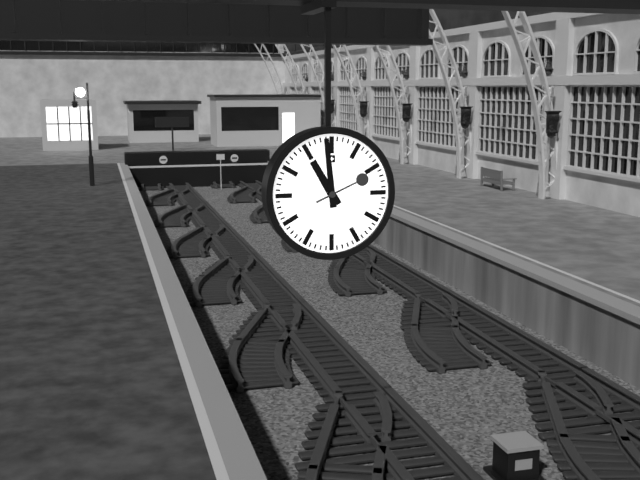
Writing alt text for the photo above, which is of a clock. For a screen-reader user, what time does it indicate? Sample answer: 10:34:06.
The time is 10:59:11
